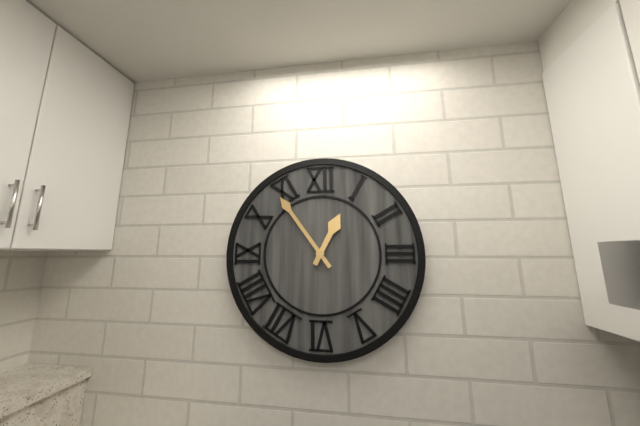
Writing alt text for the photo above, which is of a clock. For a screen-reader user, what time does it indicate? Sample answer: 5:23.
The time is 12:54
